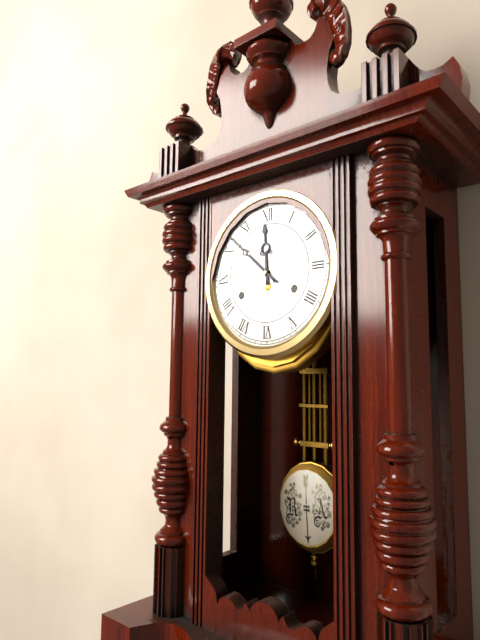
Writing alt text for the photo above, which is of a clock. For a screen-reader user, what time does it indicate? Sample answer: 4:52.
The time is 11:52
